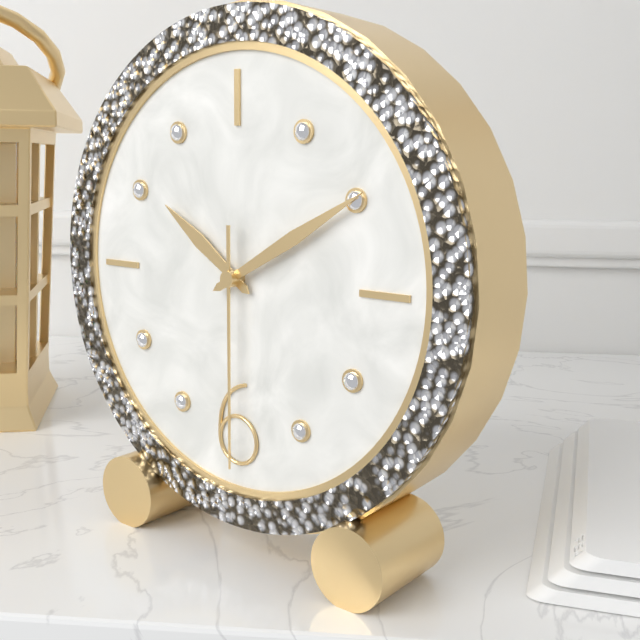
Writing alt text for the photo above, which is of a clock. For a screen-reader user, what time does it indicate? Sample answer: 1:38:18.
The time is 10:10:30
